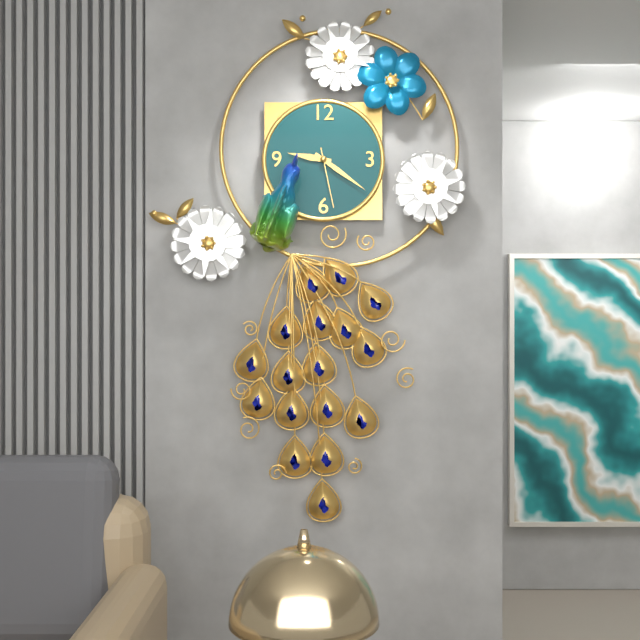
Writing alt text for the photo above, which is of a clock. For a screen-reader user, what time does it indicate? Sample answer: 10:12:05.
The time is 9:21:28
